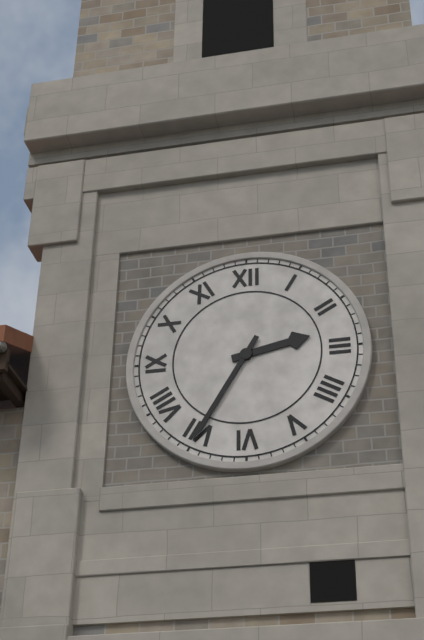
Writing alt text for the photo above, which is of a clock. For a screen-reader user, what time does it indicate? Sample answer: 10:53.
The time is 2:35
